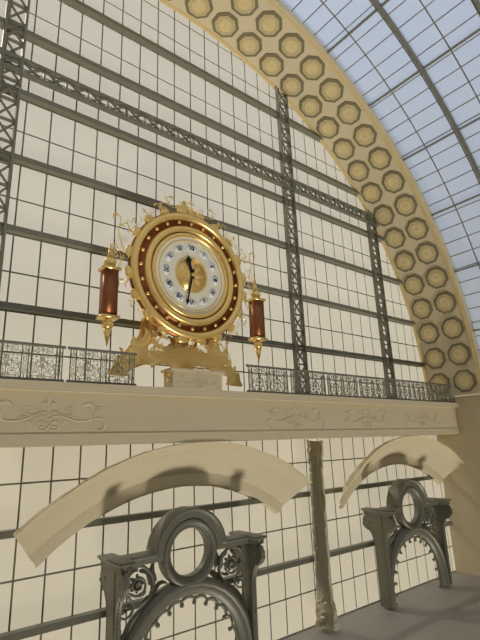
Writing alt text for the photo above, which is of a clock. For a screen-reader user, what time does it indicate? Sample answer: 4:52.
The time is 11:32
